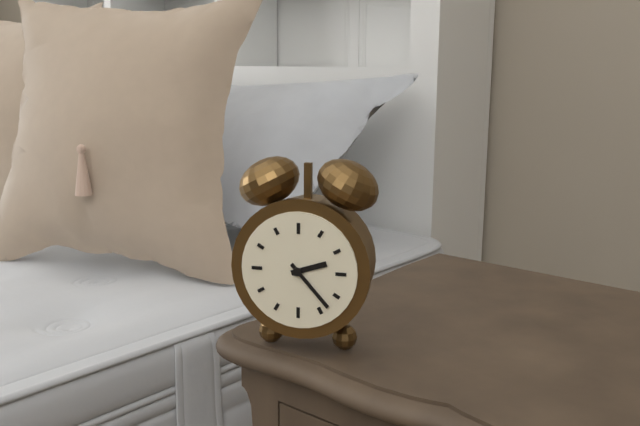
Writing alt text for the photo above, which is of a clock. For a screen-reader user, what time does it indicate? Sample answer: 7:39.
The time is 2:23
